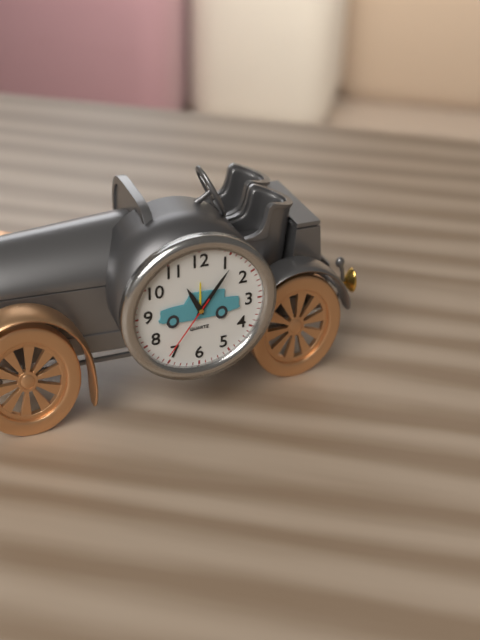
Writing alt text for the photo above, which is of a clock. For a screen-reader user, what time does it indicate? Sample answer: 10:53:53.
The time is 11:06:36
